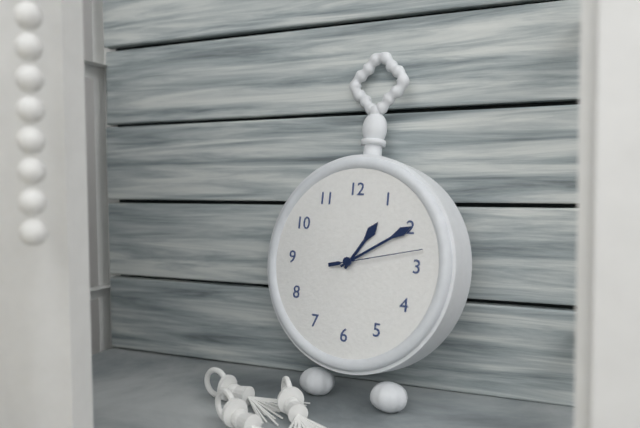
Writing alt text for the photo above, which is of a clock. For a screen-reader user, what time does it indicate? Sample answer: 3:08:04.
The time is 1:10:13
